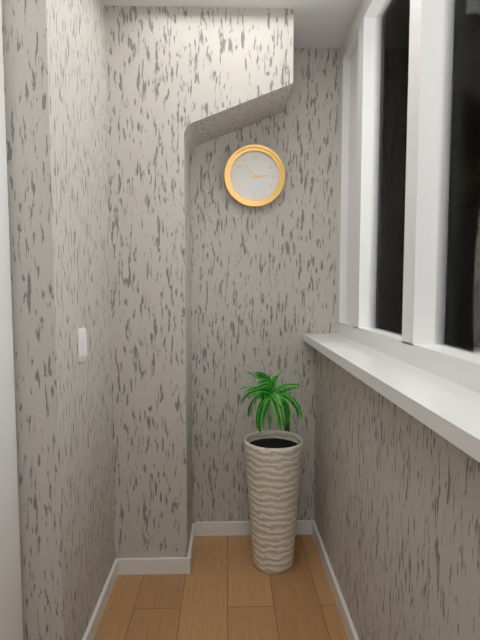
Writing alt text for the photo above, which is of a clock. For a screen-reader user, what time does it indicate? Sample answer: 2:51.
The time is 2:54
